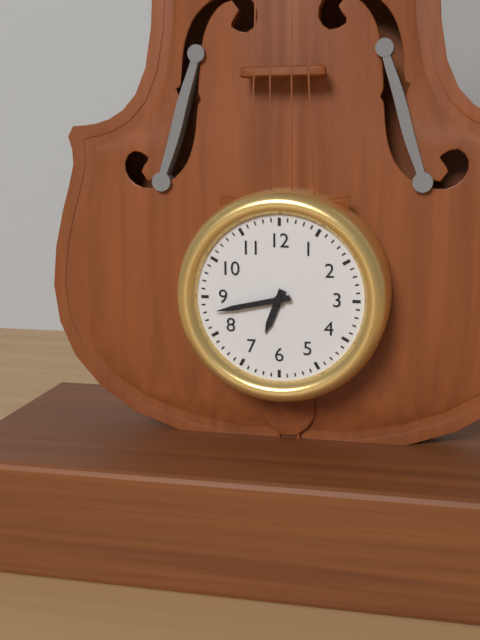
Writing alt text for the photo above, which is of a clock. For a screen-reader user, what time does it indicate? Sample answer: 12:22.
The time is 6:43
